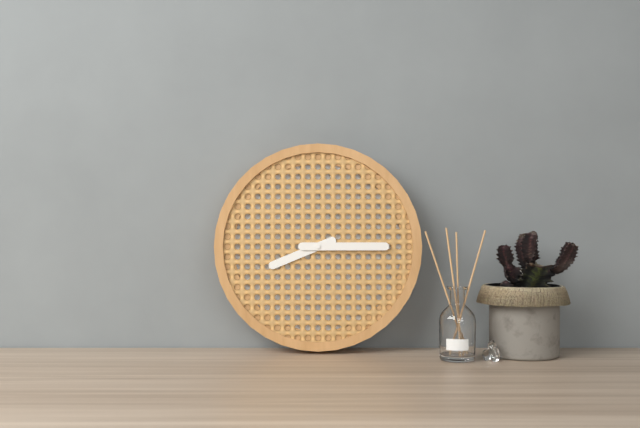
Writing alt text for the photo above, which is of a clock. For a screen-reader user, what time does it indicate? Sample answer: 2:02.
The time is 8:15
